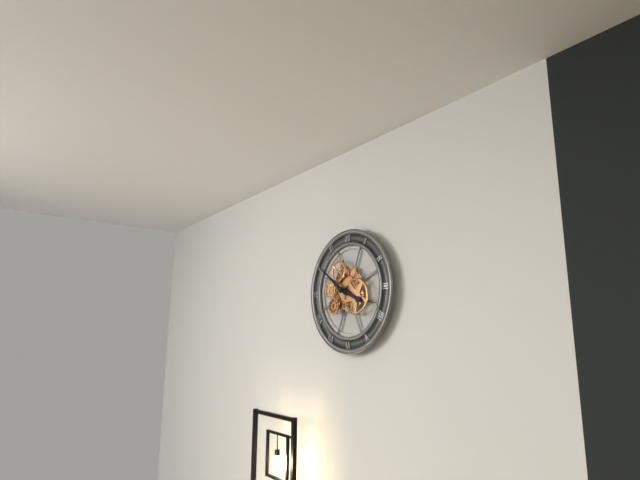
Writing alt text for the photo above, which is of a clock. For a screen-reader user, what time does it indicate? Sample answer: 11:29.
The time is 3:51
